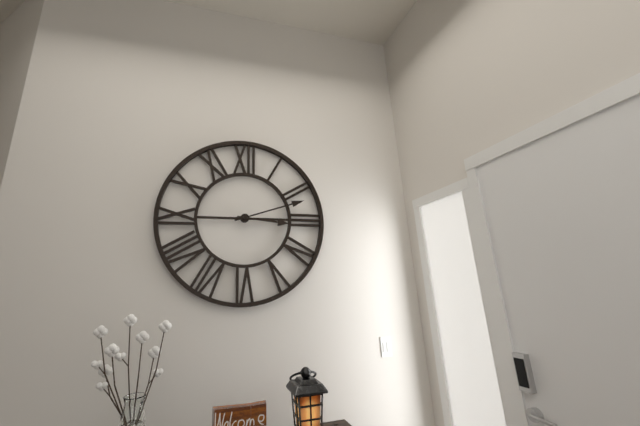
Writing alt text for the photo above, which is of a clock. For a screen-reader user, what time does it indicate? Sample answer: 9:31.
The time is 3:12
